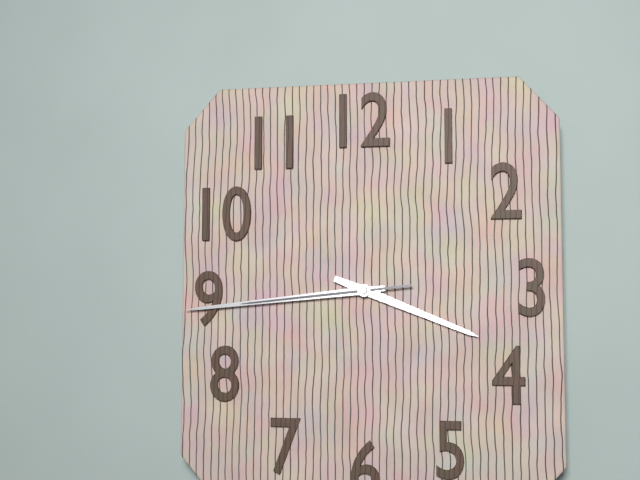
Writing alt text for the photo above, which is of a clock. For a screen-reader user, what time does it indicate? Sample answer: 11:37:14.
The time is 3:44:44
